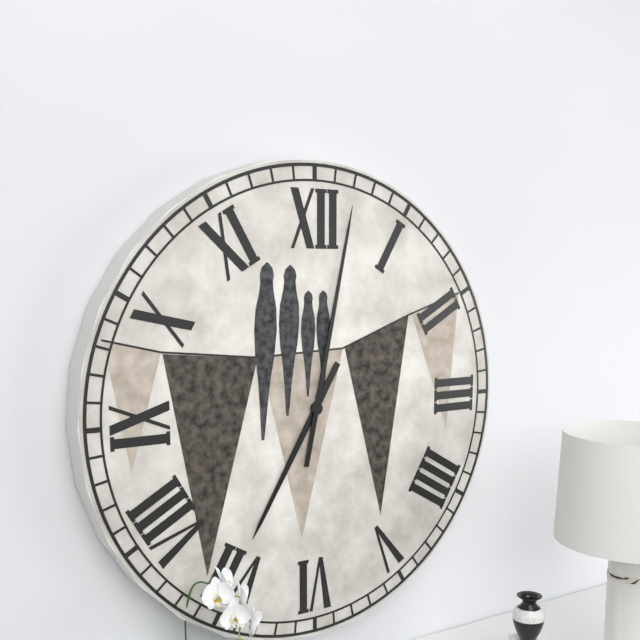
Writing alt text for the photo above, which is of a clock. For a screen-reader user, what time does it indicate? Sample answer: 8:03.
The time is 7:02
